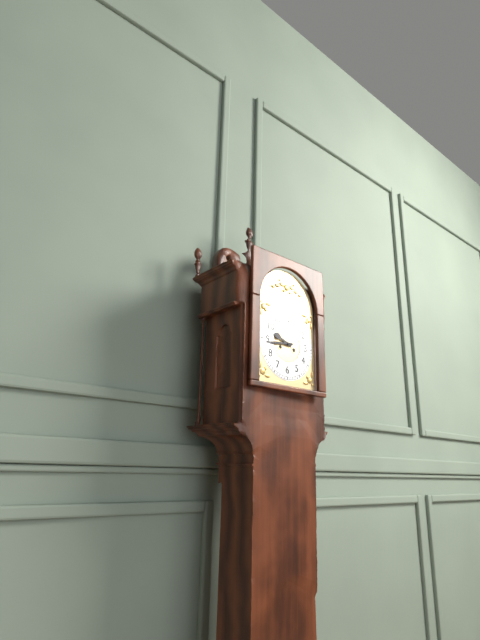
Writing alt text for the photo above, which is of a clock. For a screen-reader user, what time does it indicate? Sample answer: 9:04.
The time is 9:44
